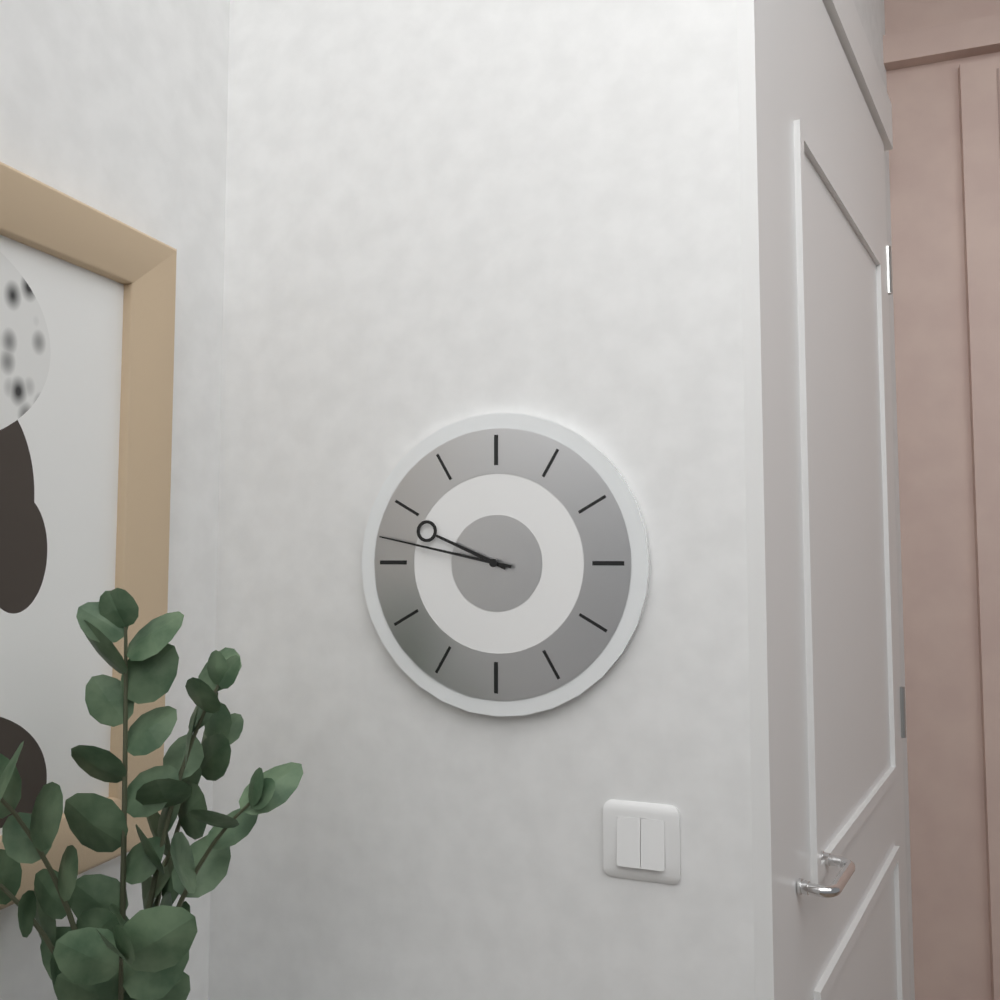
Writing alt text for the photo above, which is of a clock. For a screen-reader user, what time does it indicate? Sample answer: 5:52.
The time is 9:47
